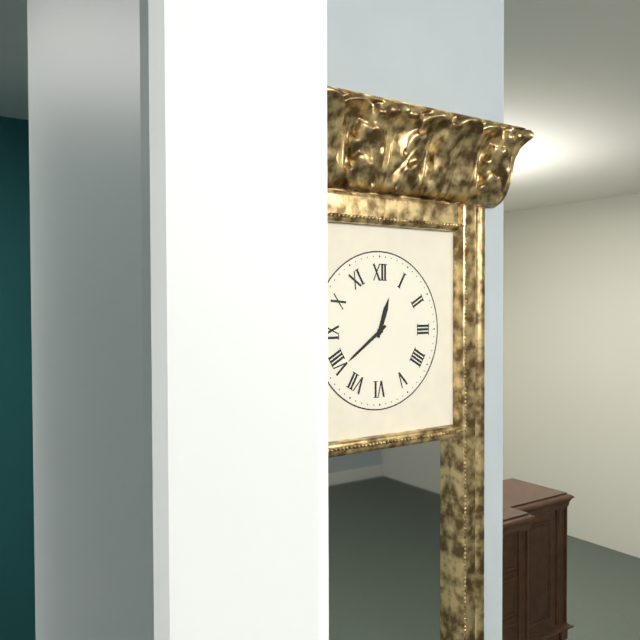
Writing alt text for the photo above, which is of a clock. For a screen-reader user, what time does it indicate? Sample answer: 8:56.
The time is 12:39
